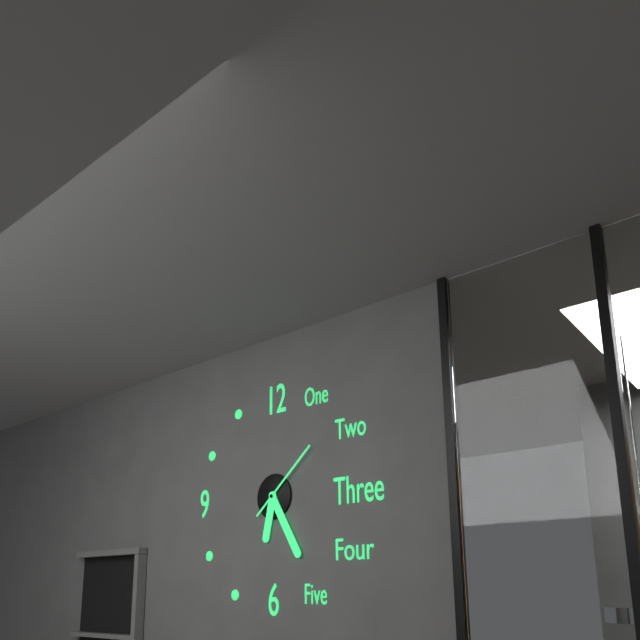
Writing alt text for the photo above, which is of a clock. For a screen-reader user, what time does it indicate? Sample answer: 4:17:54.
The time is 6:25:08
